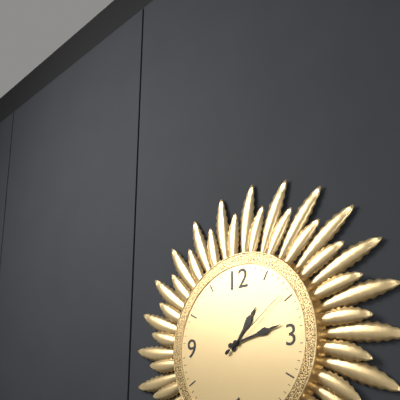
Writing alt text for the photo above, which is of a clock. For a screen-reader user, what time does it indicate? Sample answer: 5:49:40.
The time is 1:13:09
